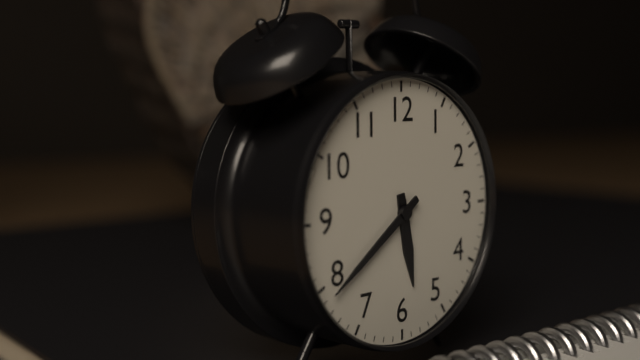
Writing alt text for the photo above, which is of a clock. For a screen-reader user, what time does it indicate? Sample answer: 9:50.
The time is 5:39
